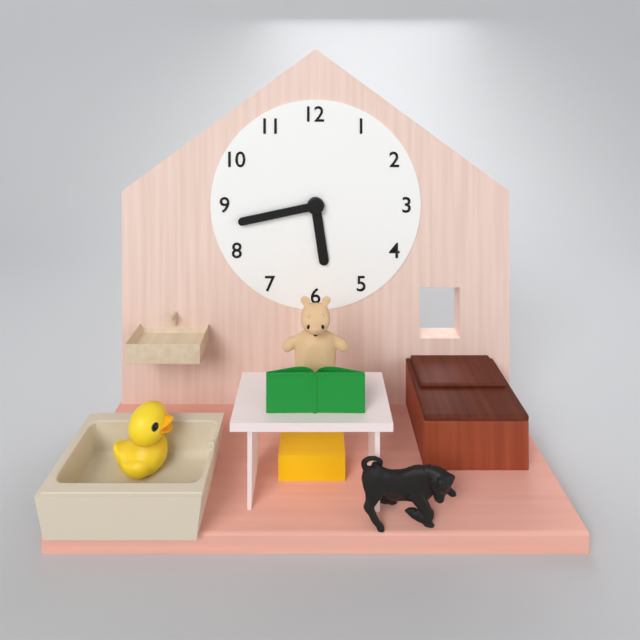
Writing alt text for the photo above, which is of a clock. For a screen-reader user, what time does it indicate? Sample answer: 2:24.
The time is 5:43
